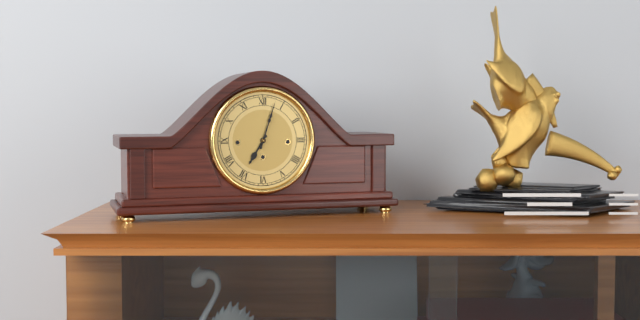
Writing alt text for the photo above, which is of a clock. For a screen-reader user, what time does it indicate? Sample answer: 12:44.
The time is 7:03
